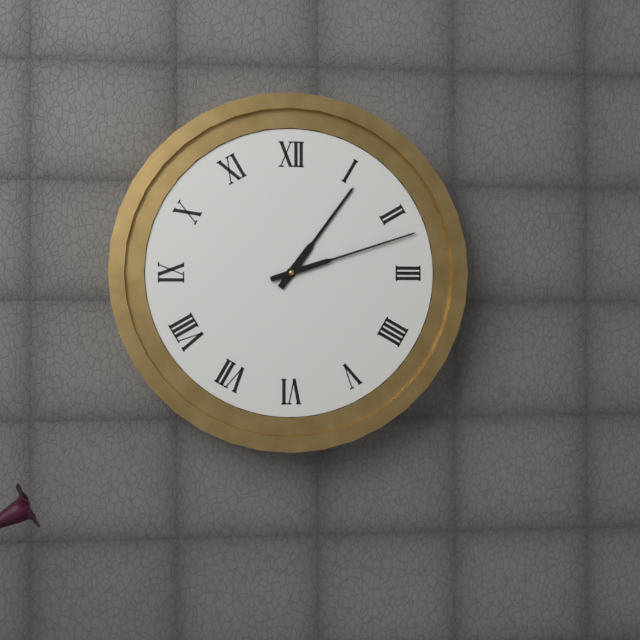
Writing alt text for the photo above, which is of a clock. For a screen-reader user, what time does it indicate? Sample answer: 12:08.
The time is 1:12
